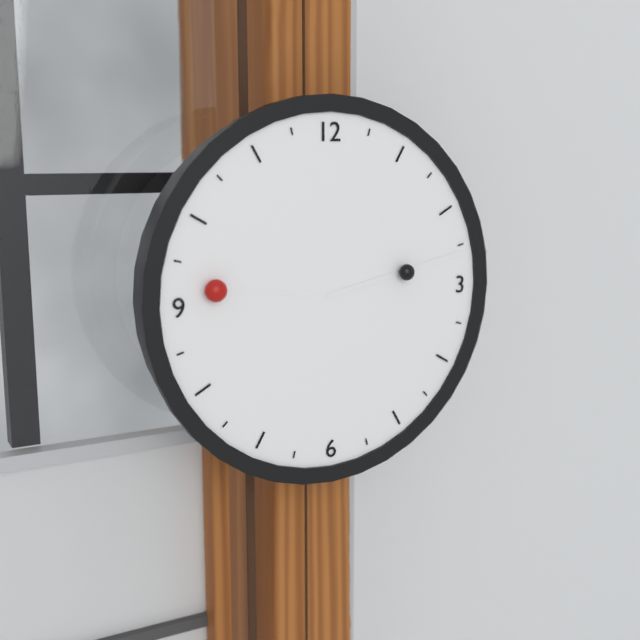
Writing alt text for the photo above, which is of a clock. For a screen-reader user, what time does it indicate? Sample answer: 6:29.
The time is 9:13
